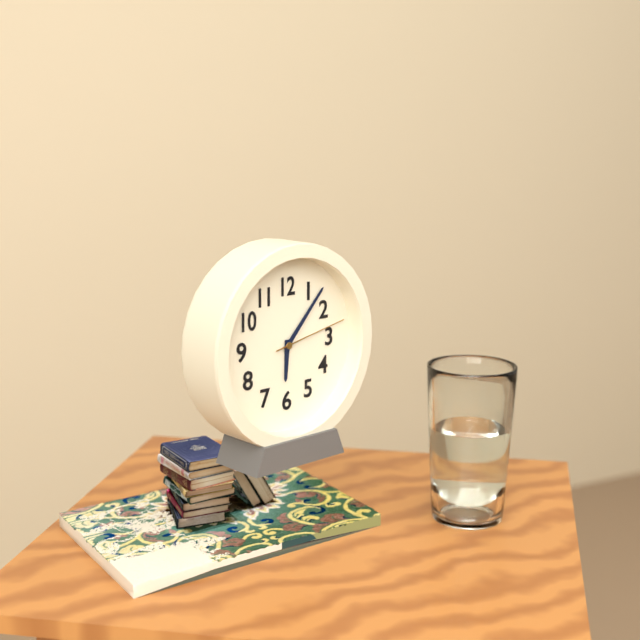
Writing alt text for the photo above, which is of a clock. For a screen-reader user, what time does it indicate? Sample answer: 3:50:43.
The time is 6:07:13
